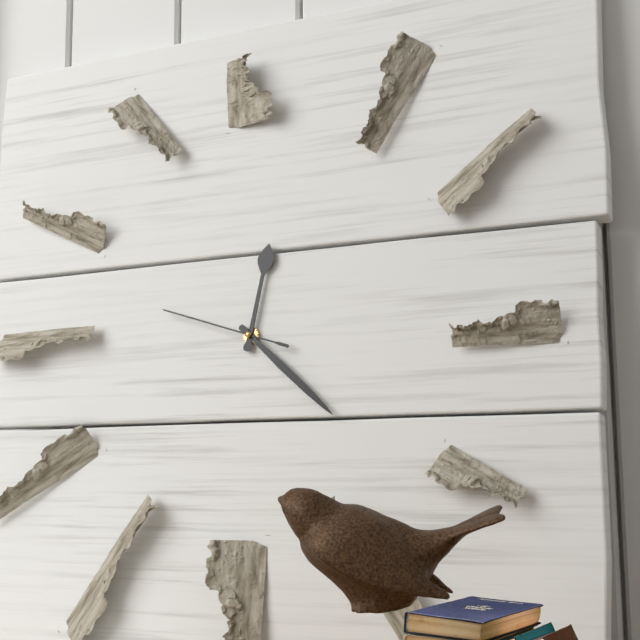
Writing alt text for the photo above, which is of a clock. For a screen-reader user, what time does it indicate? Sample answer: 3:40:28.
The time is 12:22:48
